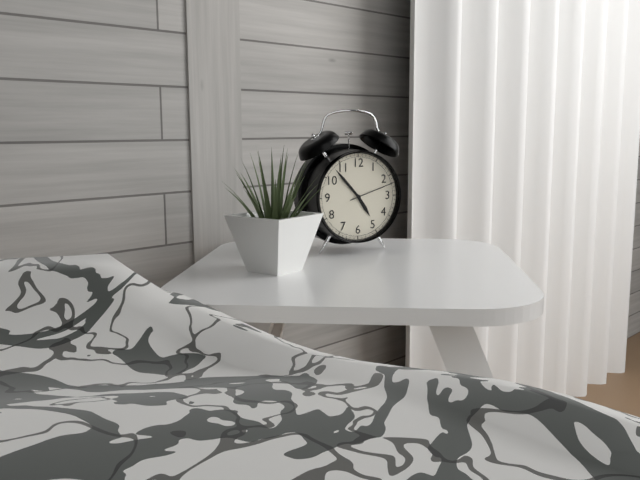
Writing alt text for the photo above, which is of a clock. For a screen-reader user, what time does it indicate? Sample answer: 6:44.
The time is 4:53
